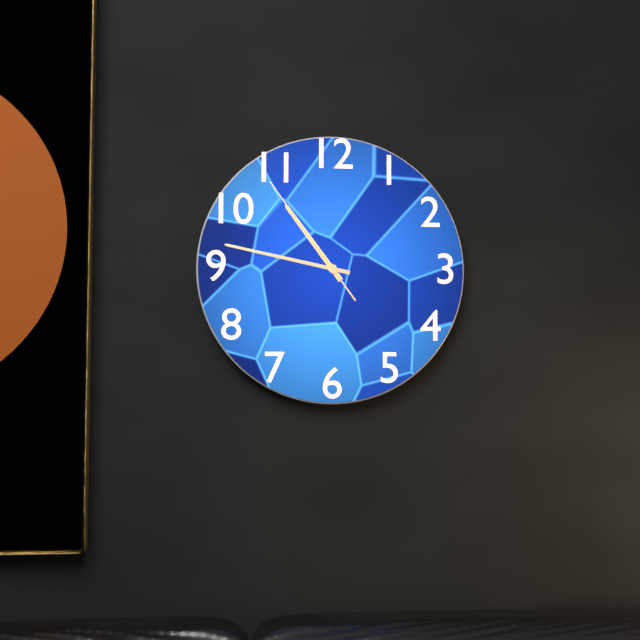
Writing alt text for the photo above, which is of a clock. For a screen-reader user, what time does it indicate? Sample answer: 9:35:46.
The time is 10:47:54
